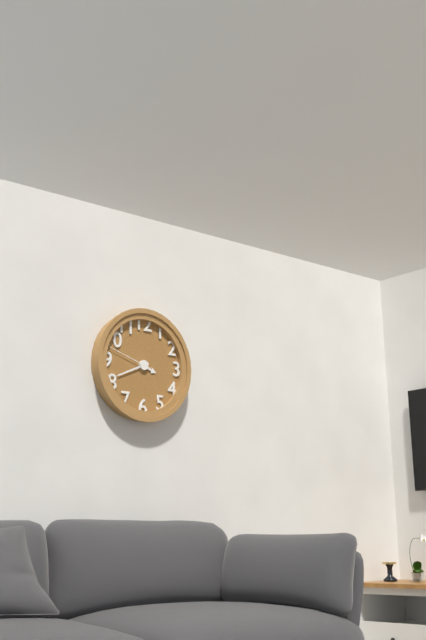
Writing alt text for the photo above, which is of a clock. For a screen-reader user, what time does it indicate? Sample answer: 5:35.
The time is 3:41
